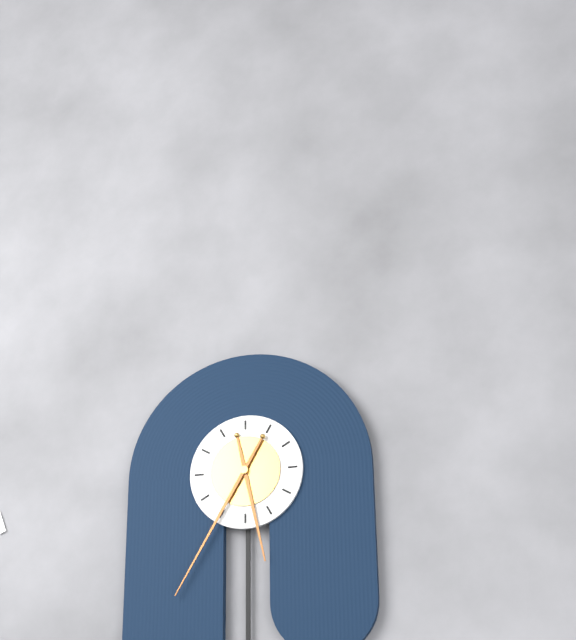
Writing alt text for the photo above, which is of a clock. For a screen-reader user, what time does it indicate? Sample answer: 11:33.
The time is 5:35
